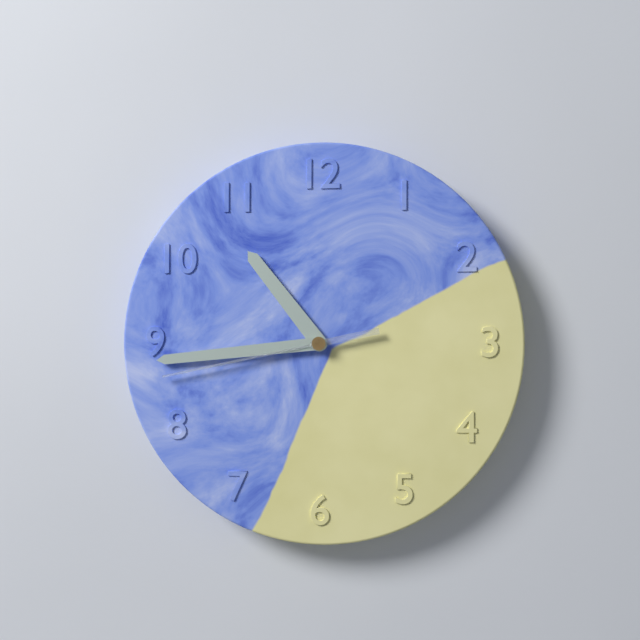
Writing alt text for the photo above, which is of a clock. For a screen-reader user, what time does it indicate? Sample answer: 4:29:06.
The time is 10:44:43
